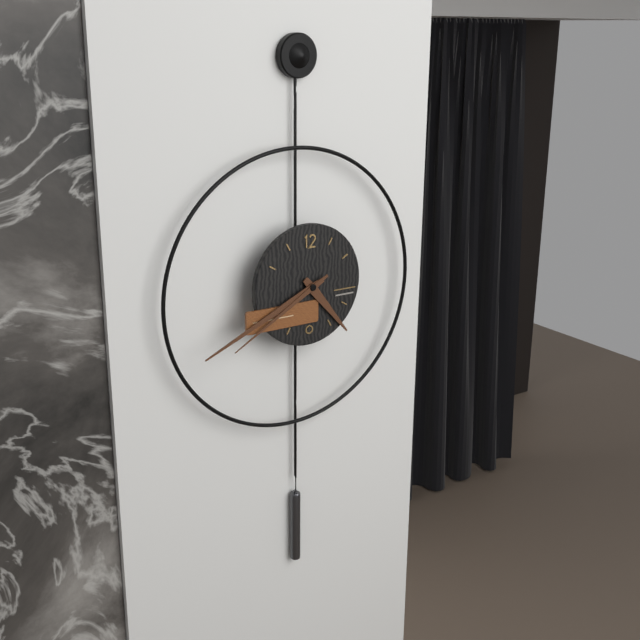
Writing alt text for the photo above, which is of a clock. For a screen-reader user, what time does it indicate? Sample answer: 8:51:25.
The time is 4:41:40
